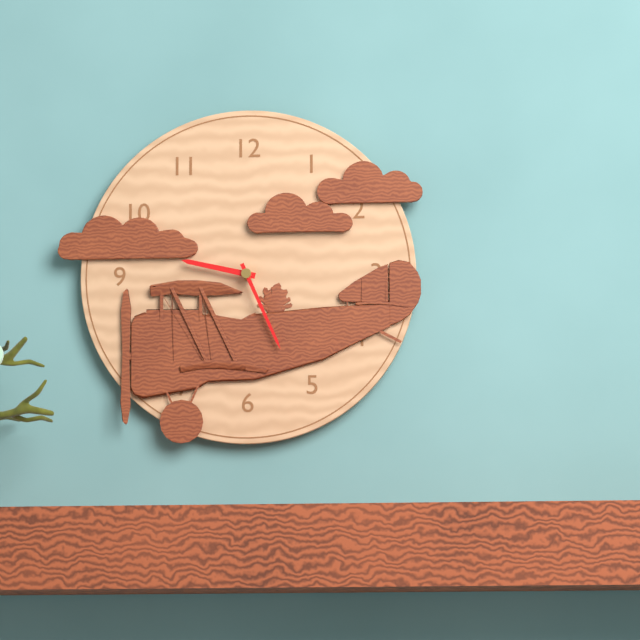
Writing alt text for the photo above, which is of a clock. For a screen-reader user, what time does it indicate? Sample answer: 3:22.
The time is 9:26
